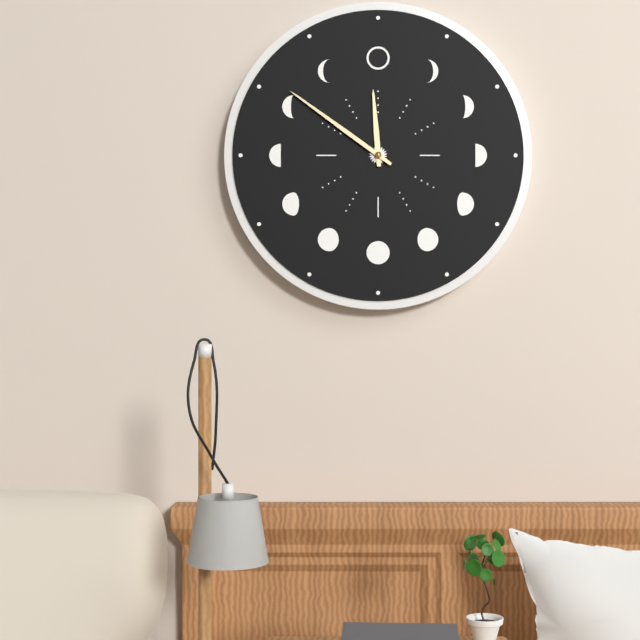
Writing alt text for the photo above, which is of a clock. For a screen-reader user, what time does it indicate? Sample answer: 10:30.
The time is 11:51
